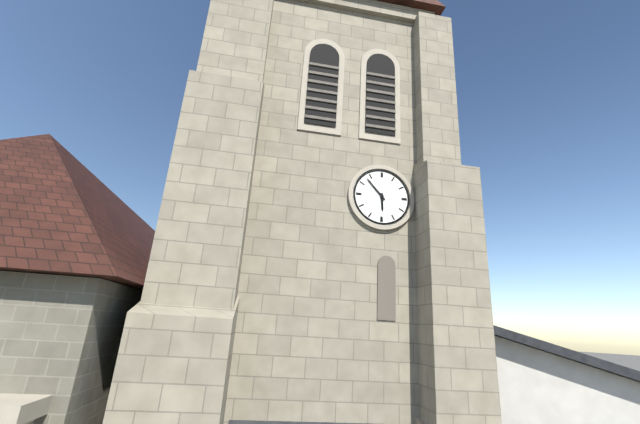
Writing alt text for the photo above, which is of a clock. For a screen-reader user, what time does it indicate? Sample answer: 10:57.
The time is 5:53
